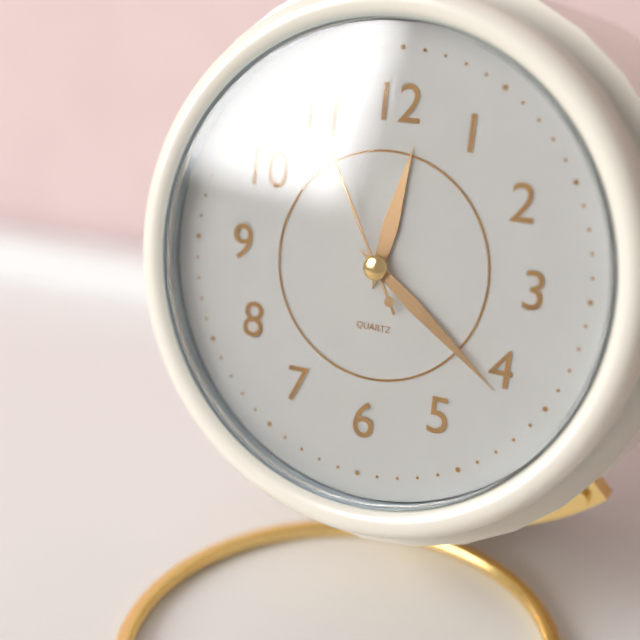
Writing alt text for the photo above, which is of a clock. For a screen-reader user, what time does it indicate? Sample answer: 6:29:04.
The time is 12:21:55
